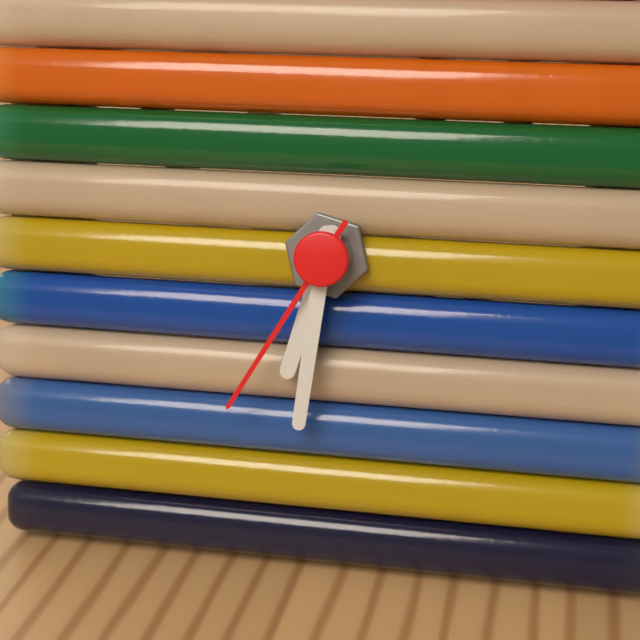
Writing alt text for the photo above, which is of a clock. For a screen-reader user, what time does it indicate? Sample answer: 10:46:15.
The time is 6:31:35
